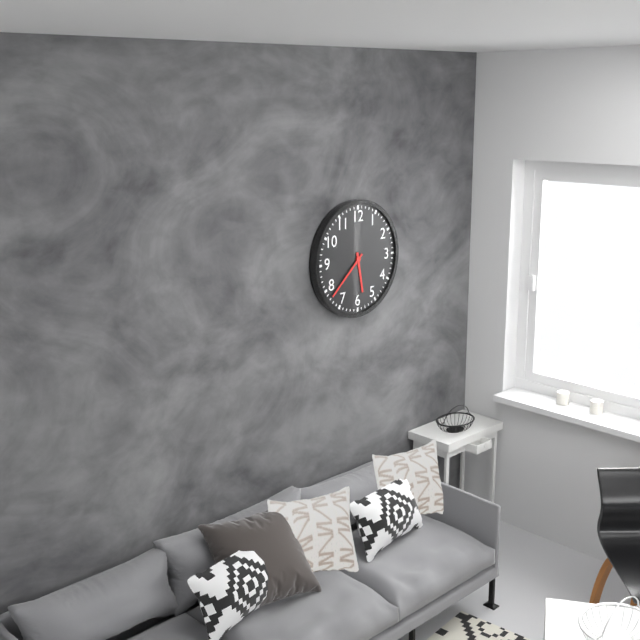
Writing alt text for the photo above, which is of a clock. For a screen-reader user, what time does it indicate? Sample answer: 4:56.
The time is 5:38
